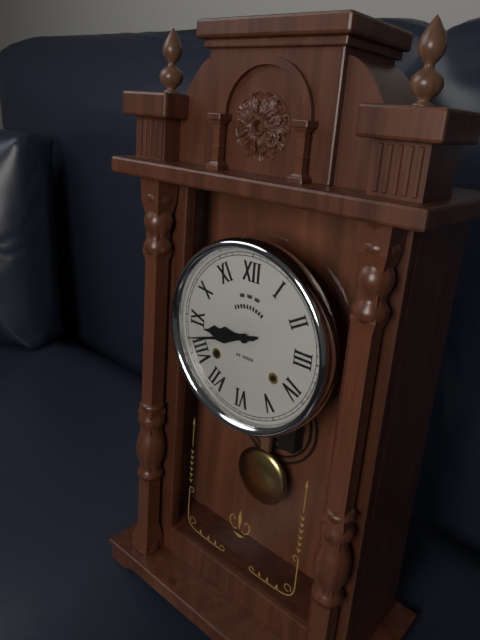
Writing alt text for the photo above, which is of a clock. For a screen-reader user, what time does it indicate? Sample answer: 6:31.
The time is 8:42
